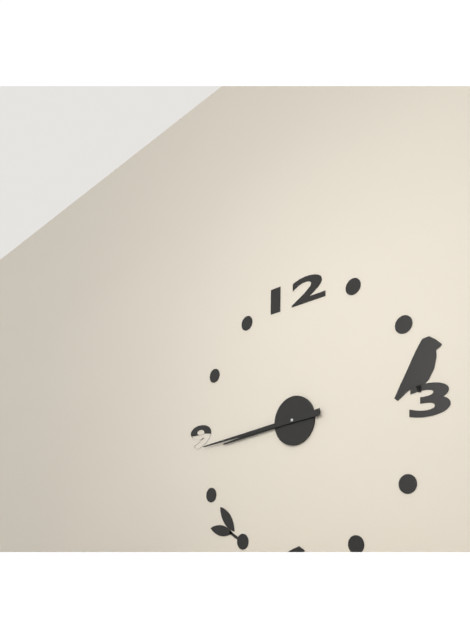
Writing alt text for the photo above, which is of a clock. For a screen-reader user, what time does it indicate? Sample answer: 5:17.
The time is 8:44
